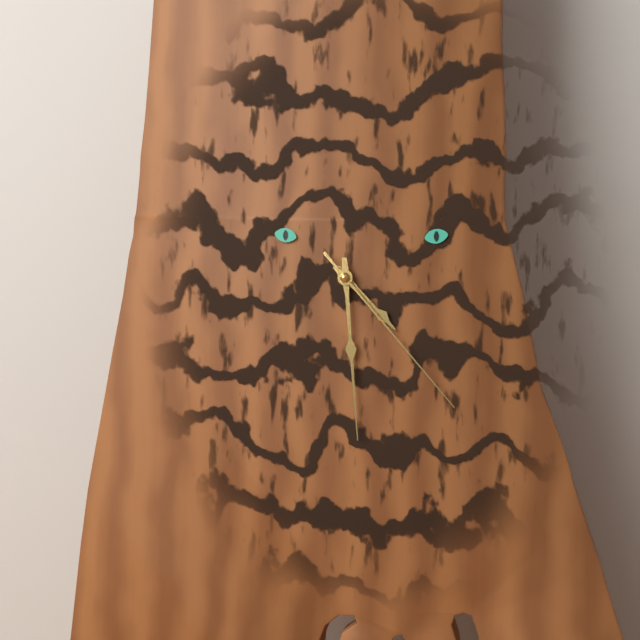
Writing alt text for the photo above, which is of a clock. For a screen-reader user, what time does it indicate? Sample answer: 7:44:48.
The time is 4:29:23
